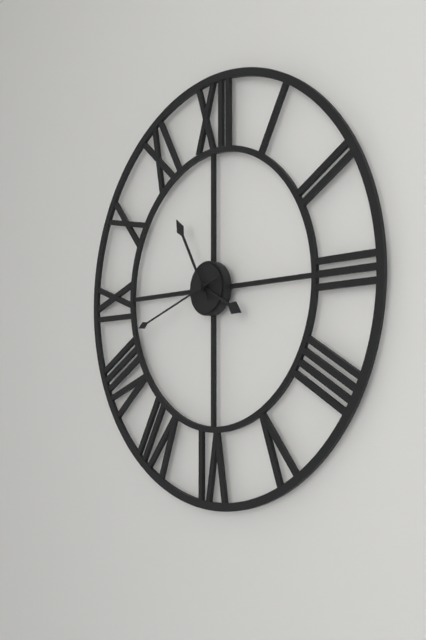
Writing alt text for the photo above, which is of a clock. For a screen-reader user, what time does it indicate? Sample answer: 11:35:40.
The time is 3:55:42
